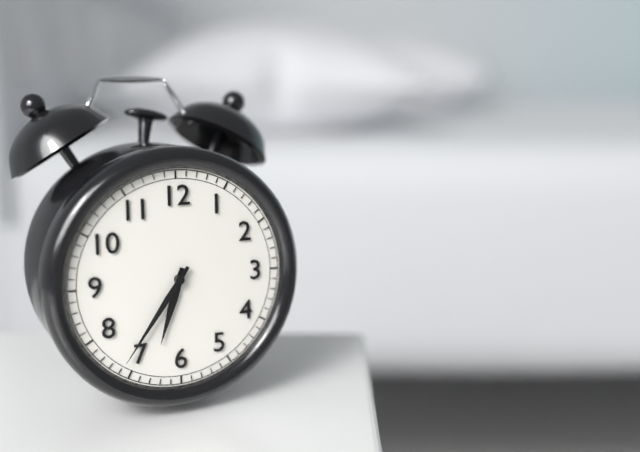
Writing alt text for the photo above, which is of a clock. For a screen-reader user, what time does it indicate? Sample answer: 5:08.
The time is 6:36
